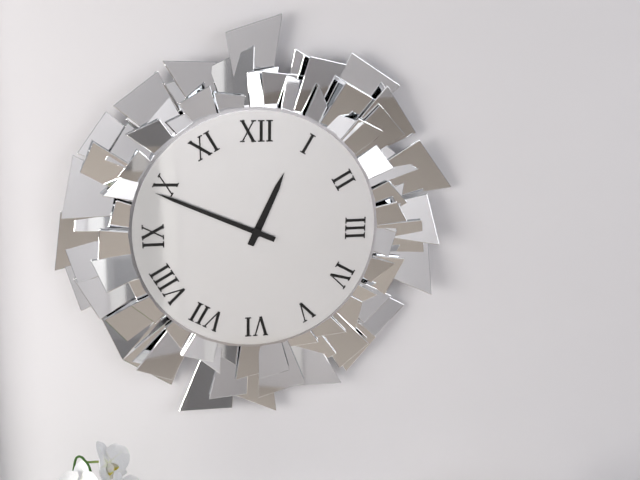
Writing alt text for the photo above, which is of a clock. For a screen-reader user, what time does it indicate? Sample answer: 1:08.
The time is 12:49
